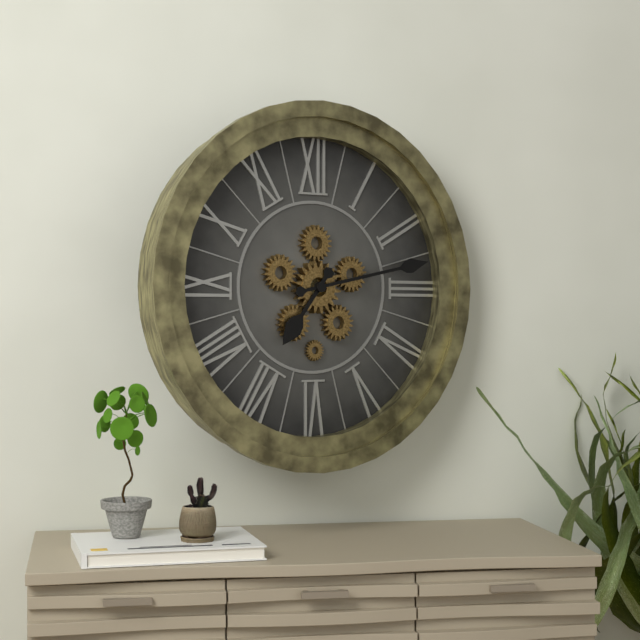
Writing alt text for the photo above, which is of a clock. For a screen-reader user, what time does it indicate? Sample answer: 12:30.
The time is 7:13
